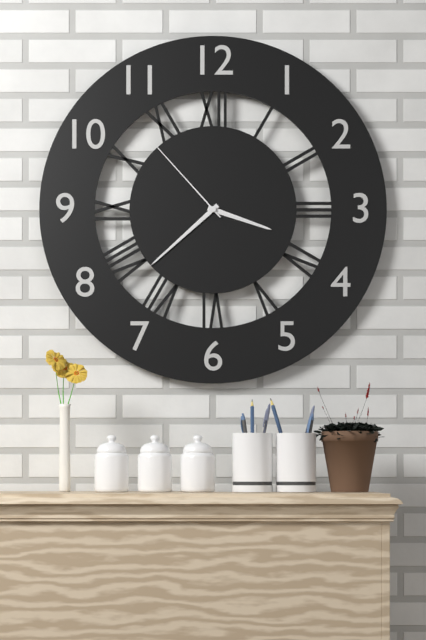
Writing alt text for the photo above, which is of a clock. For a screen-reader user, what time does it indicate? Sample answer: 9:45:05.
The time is 3:38:53
